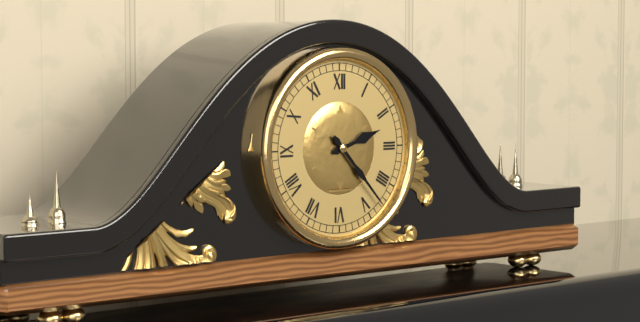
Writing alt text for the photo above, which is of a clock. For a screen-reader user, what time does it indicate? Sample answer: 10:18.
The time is 2:23
